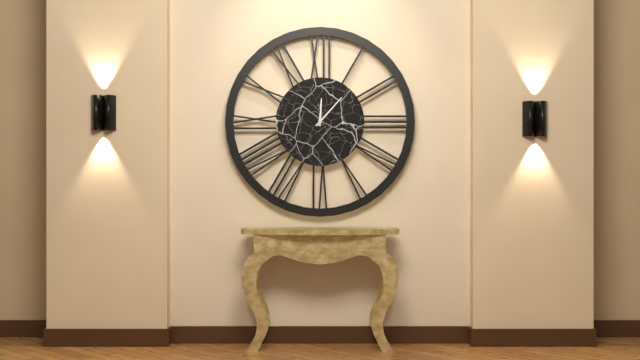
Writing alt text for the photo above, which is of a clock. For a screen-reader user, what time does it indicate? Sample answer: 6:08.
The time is 12:07
